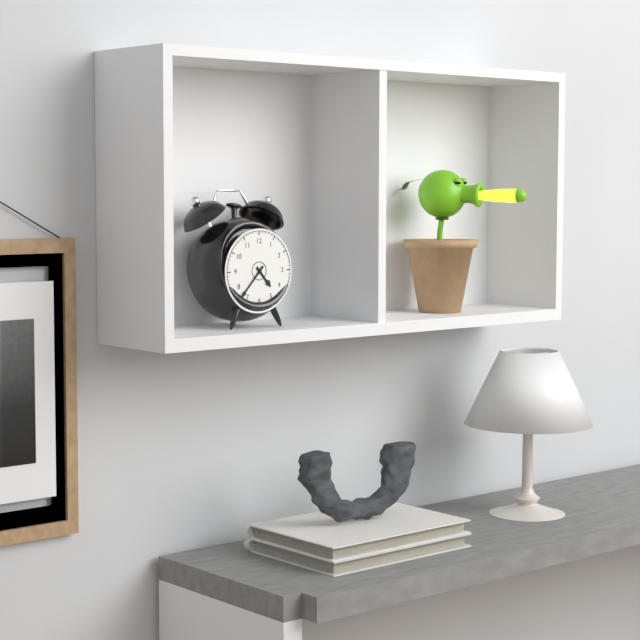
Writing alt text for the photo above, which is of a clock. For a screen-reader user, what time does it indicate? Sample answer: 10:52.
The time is 4:37
